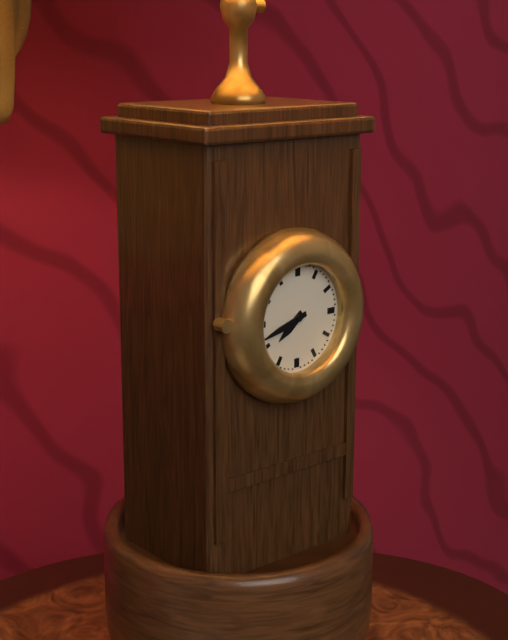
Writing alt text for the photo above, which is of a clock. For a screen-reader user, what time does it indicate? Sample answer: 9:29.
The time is 7:42
